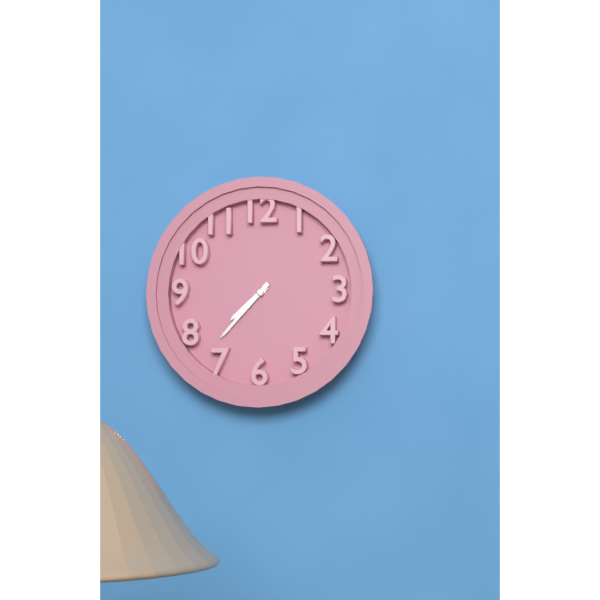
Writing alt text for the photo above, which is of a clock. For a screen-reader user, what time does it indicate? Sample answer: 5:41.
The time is 7:37
